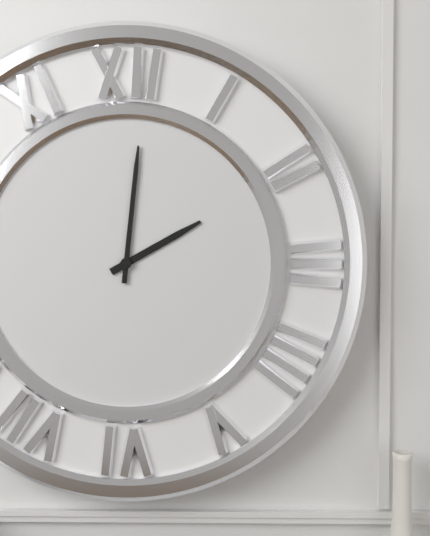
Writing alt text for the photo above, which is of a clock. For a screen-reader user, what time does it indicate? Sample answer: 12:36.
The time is 2:01
